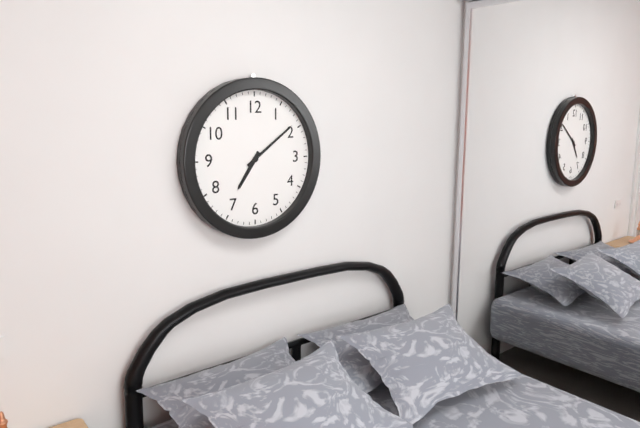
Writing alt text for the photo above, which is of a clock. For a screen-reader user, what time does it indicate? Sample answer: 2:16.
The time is 7:09
